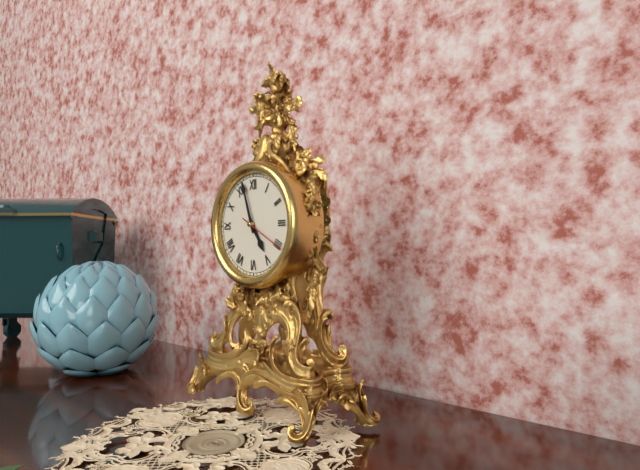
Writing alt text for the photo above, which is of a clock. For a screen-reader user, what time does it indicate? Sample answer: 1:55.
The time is 4:57
